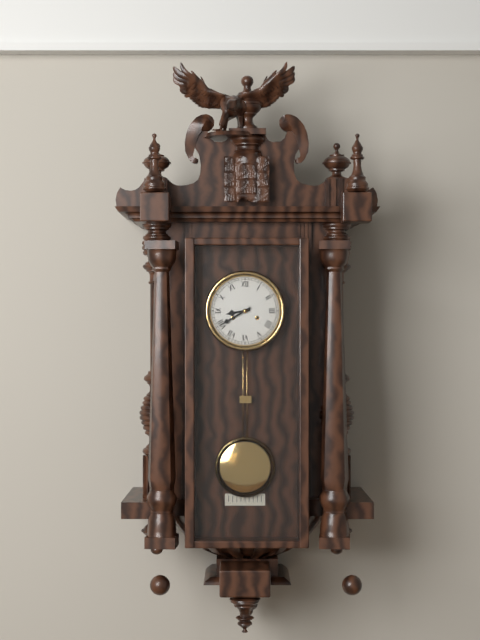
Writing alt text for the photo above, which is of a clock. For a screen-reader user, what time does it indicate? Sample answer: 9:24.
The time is 8:40
